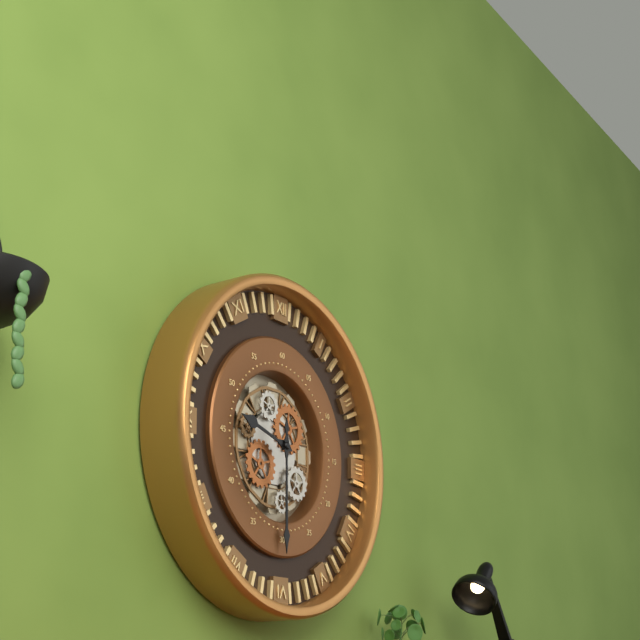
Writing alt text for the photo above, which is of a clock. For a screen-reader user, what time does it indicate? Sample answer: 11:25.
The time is 9:30
